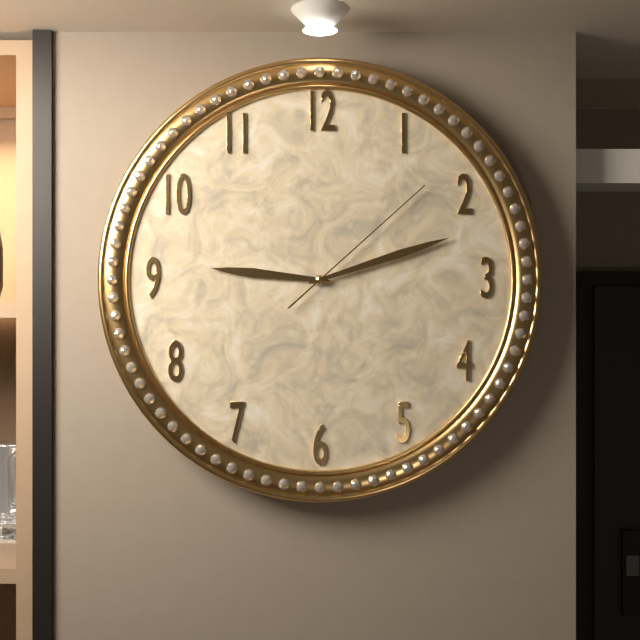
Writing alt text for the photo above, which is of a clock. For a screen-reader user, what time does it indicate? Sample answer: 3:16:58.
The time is 9:12:08
